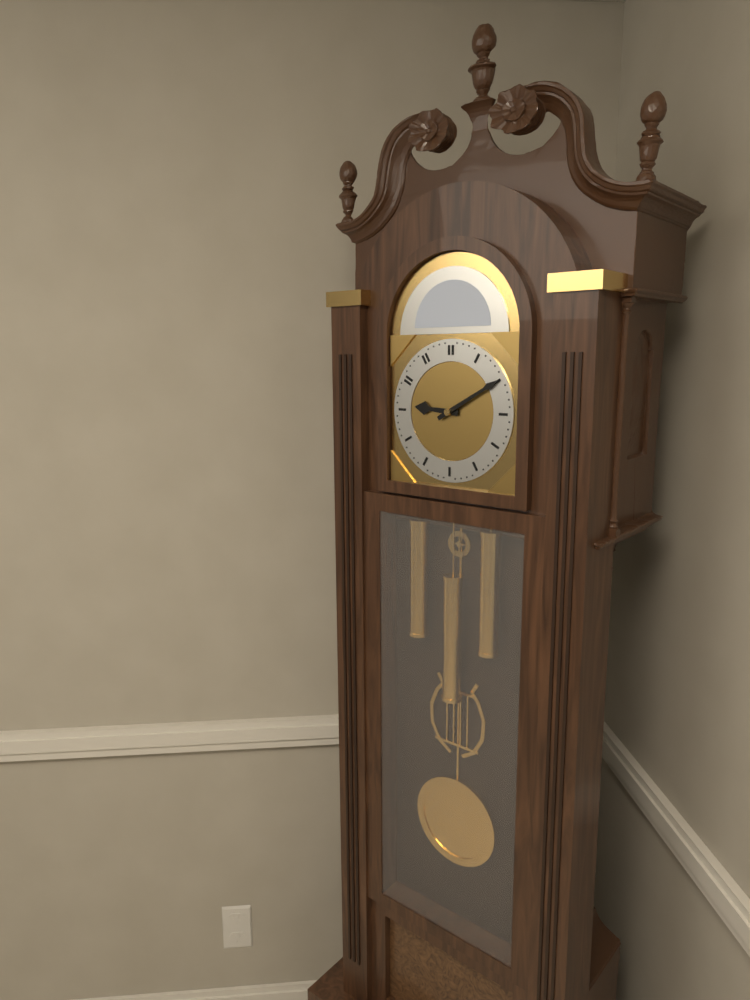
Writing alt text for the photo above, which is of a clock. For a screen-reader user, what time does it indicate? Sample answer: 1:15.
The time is 9:10
